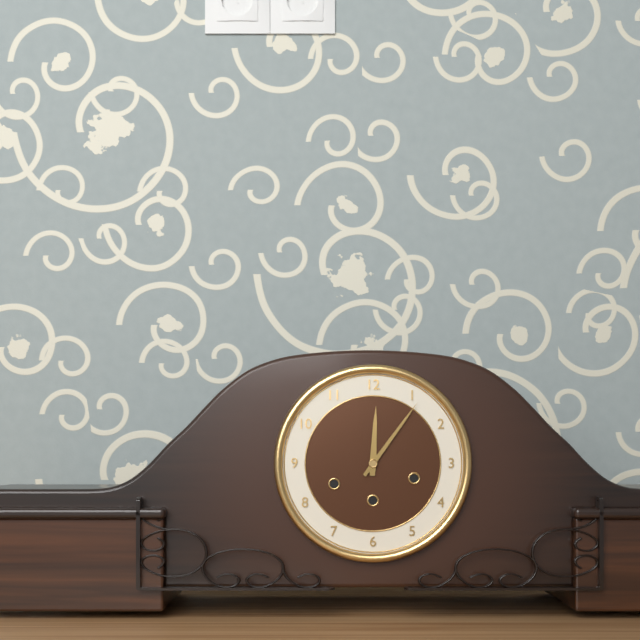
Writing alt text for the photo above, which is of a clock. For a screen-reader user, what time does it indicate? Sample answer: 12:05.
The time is 12:06
